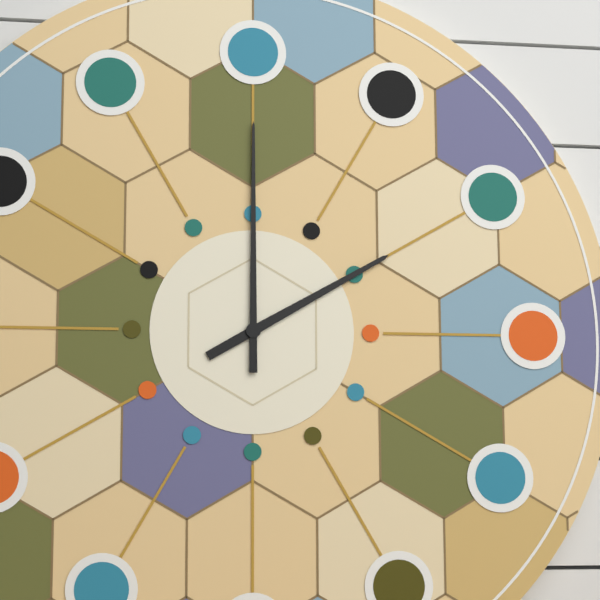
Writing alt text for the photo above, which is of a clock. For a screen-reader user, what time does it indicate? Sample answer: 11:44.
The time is 2:00
